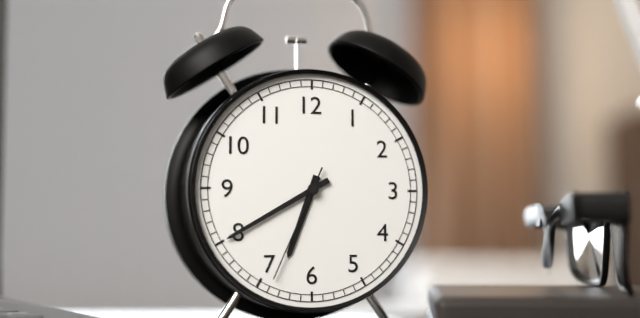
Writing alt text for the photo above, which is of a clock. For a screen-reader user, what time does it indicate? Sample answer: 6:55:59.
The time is 6:40:34
